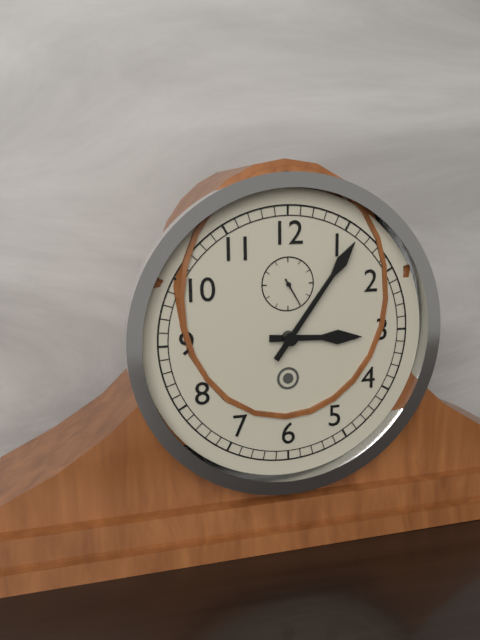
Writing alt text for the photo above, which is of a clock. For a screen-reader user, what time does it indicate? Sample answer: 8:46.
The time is 3:06
